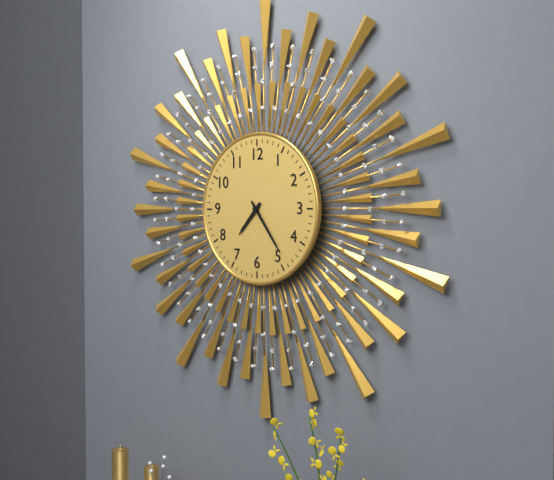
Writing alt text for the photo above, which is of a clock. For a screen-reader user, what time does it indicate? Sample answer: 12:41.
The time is 7:24
